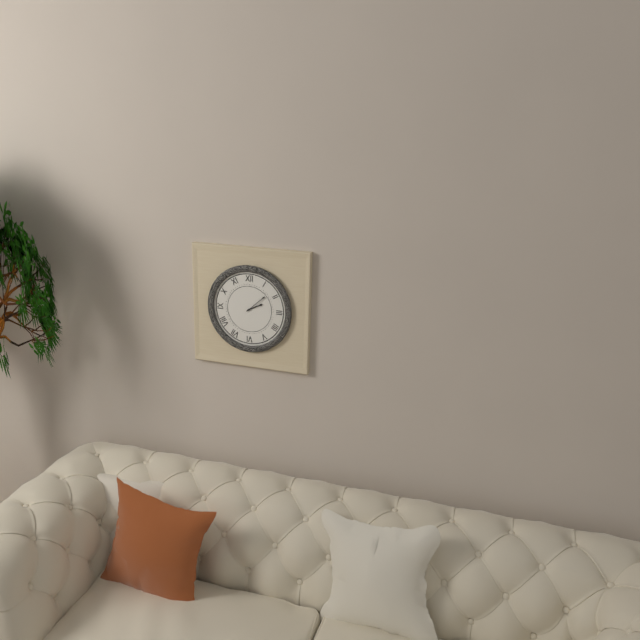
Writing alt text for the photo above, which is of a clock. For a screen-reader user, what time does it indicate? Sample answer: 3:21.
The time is 2:08
